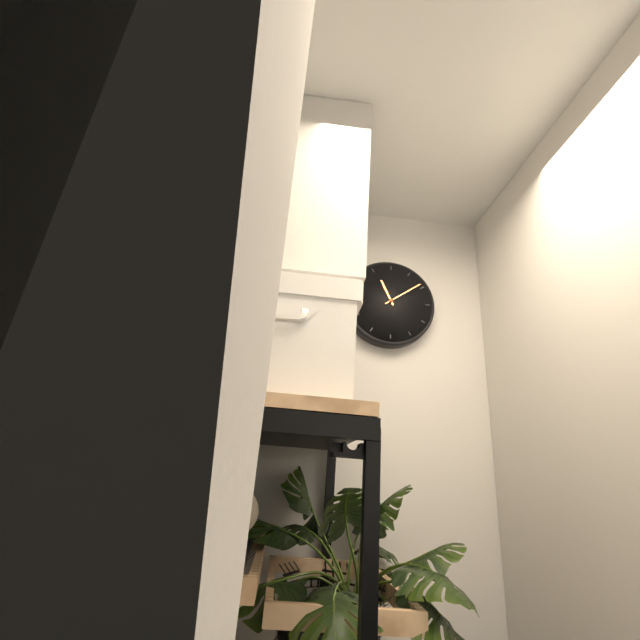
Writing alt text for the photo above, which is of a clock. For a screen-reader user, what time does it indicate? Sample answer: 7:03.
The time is 11:09
